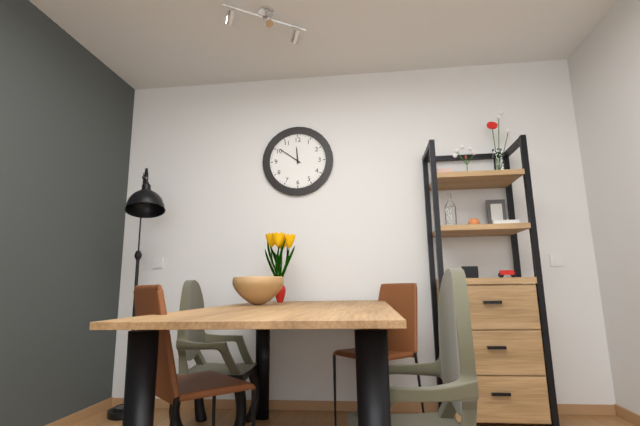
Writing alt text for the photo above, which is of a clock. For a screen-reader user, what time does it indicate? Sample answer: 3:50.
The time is 11:51
